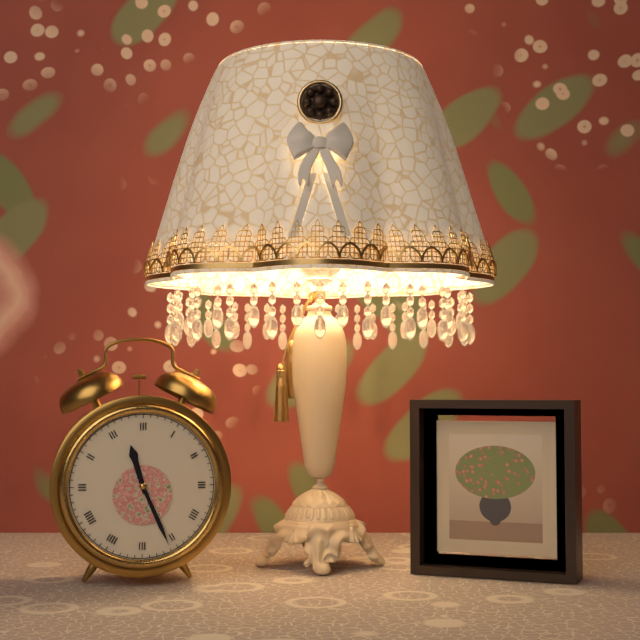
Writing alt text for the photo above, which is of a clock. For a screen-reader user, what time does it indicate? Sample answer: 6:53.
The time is 11:26
